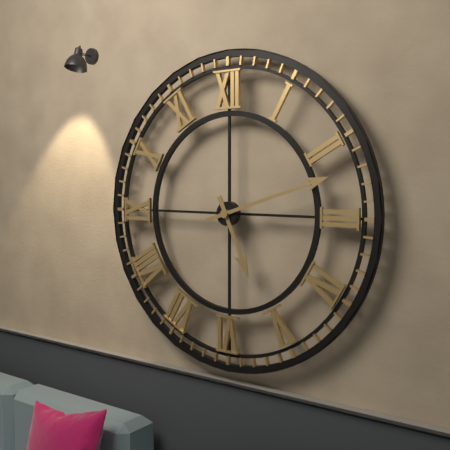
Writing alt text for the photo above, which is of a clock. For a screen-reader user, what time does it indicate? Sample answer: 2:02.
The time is 5:12
